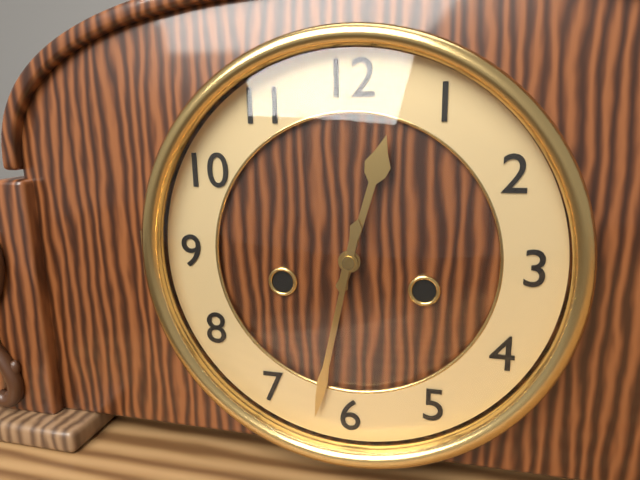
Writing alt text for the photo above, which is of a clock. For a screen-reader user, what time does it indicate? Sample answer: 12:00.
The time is 12:32
